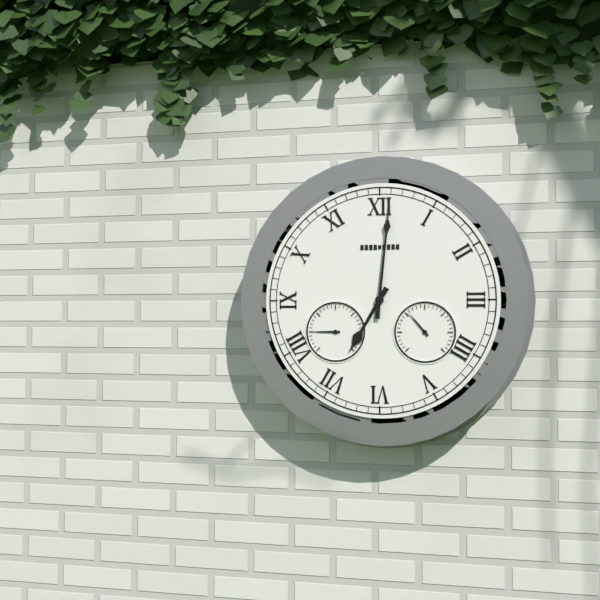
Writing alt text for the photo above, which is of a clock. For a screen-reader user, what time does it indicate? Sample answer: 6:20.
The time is 7:01
